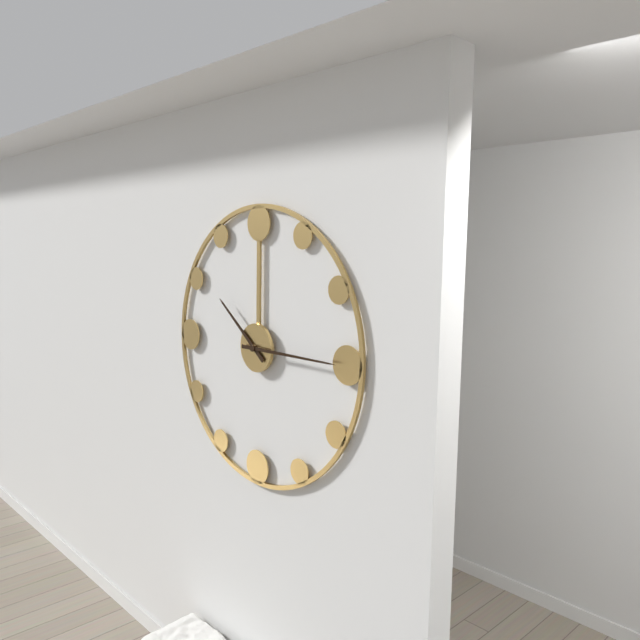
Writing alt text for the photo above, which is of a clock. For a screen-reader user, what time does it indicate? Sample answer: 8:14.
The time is 10:15
